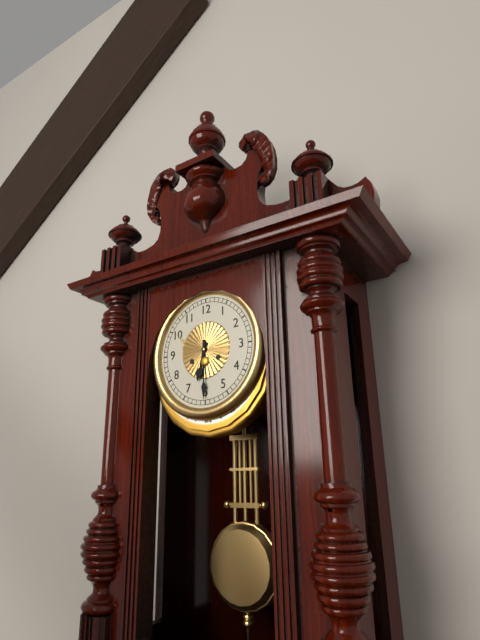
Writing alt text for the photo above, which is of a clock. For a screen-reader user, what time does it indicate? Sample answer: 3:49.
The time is 6:30
